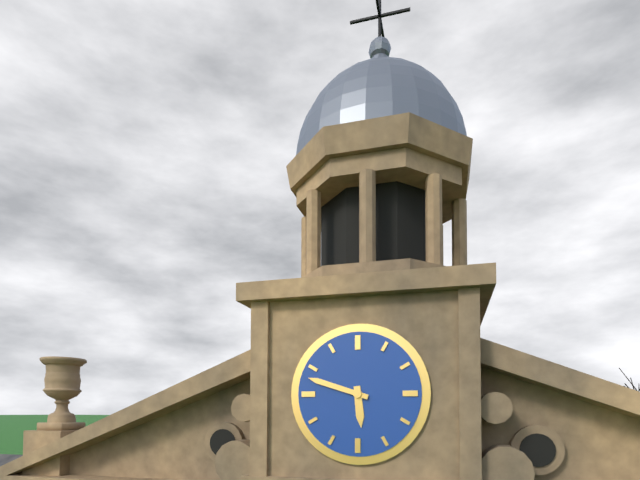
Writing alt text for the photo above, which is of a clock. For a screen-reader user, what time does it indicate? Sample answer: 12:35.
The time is 5:48
